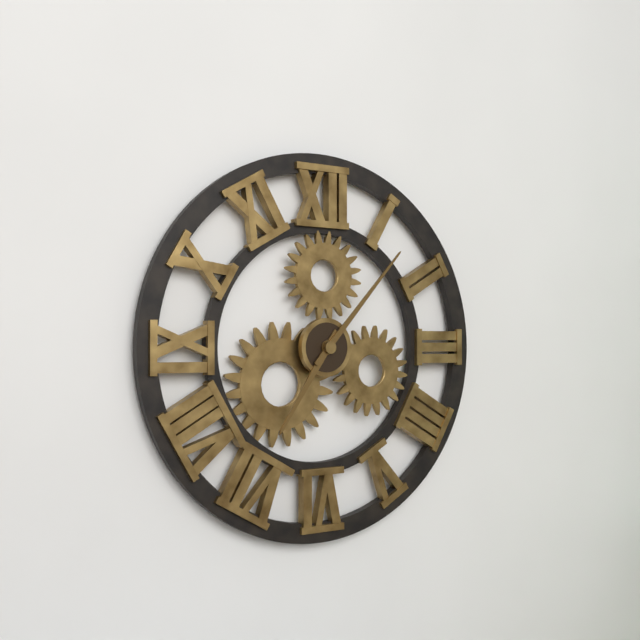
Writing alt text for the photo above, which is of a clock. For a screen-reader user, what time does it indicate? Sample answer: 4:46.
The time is 7:07
